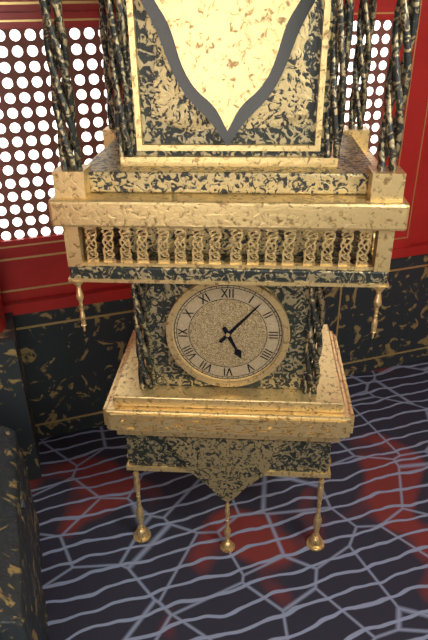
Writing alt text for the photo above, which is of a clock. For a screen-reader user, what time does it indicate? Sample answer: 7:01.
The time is 5:07
